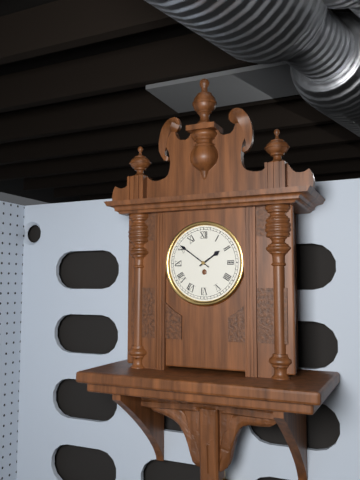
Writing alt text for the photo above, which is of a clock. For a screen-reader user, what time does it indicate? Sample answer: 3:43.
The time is 1:51
